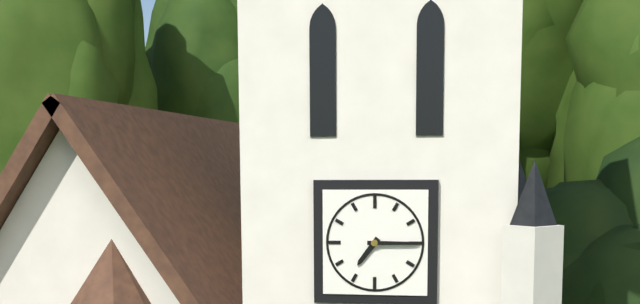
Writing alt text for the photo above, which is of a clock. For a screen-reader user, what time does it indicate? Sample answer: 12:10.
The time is 7:15
